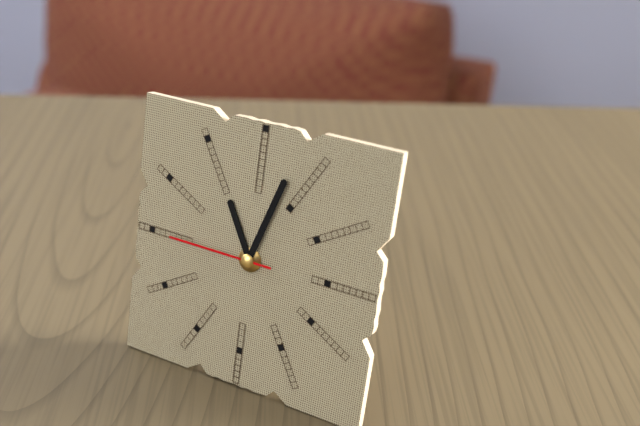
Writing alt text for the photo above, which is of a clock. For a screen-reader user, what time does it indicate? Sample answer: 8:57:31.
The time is 11:03:45
